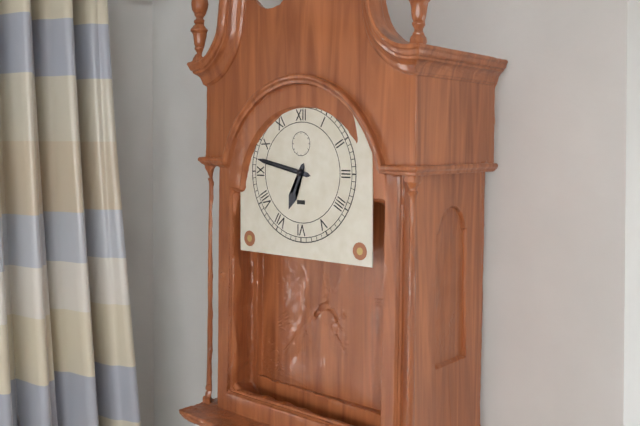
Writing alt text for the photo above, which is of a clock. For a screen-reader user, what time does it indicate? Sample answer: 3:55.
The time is 6:47
